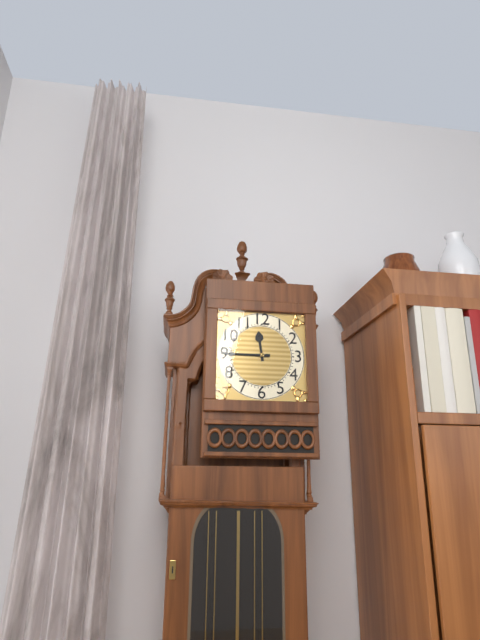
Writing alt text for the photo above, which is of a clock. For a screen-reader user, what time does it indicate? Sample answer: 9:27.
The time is 11:45
